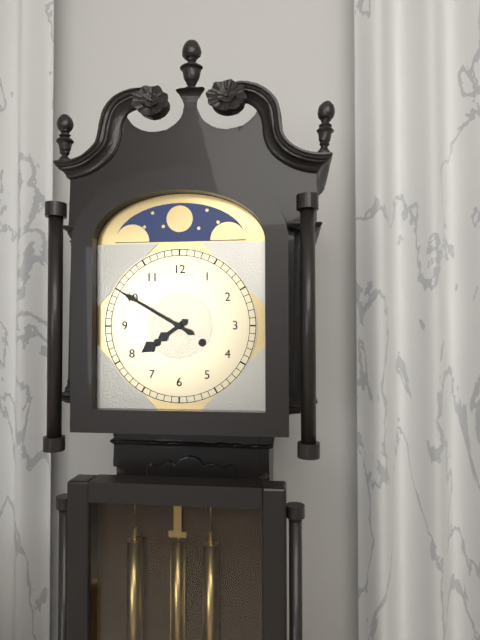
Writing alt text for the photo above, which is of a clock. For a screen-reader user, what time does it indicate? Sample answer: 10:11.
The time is 7:50
